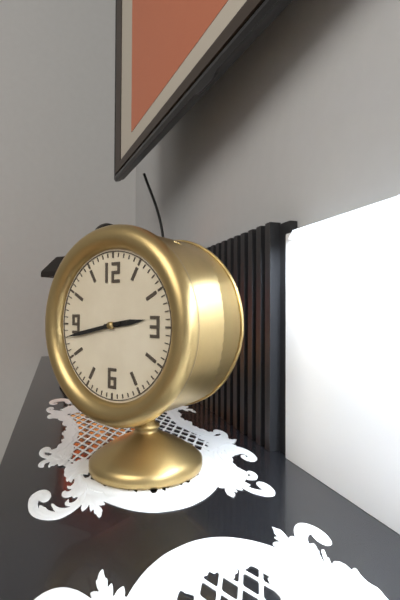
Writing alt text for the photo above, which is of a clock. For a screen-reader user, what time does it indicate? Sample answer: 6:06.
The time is 2:43
